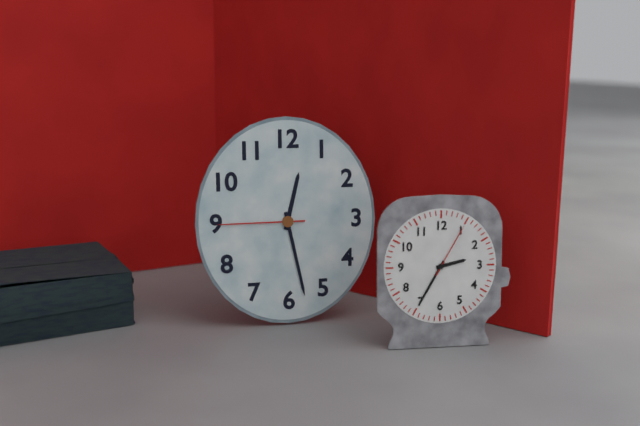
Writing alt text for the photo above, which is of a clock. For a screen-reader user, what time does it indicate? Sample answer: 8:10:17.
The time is 12:28:45
